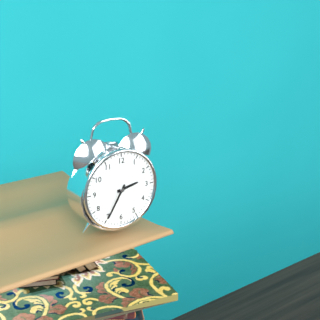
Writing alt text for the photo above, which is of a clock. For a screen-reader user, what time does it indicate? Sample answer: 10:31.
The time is 2:35
